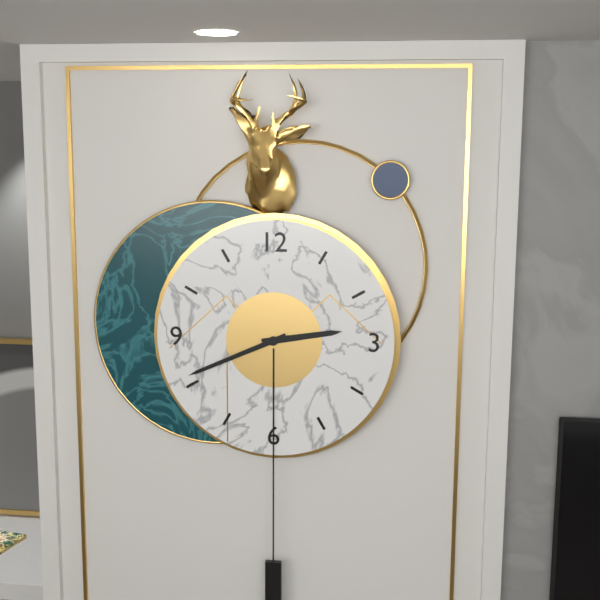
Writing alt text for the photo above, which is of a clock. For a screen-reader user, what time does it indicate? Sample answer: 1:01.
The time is 2:41
